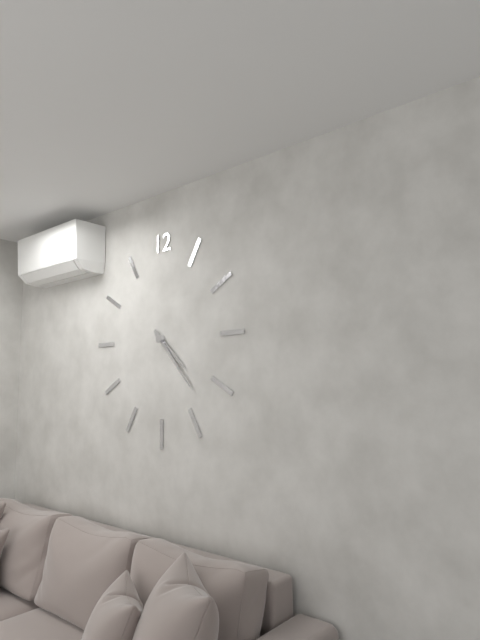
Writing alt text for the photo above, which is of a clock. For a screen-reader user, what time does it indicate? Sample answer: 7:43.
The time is 4:23
